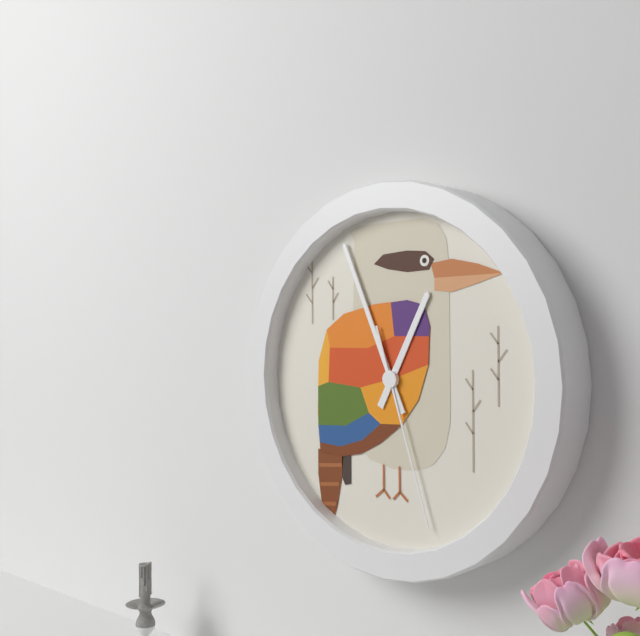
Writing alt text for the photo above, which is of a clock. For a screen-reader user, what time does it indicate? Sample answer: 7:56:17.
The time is 12:56:27
